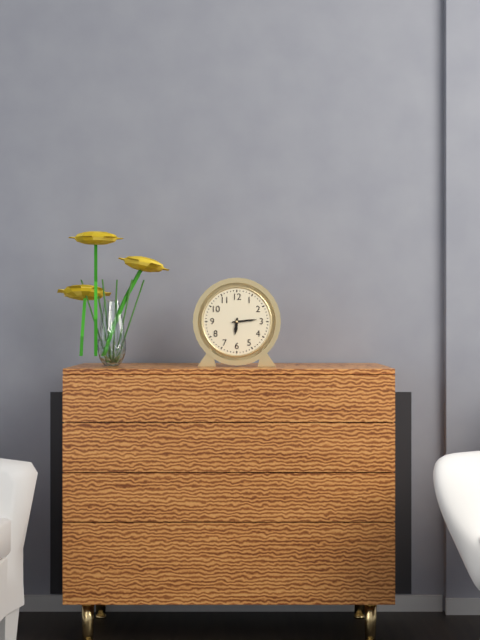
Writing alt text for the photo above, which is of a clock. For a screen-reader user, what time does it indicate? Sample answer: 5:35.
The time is 6:14
